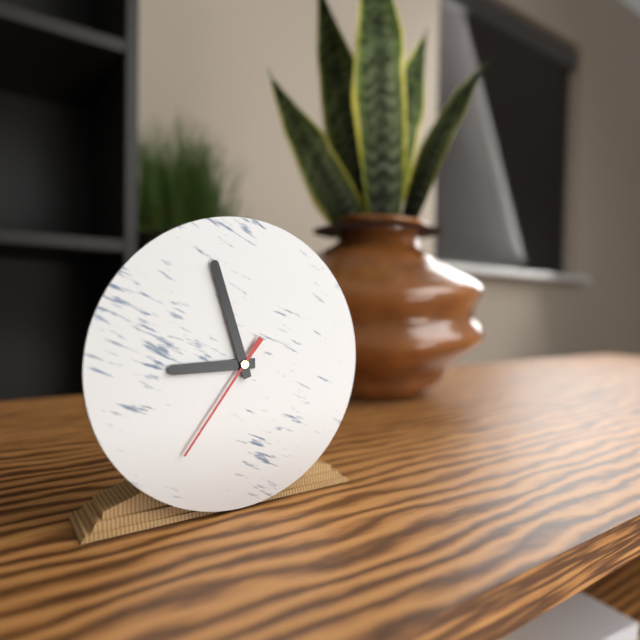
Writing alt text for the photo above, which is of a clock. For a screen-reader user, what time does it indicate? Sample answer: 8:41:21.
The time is 8:57:36
